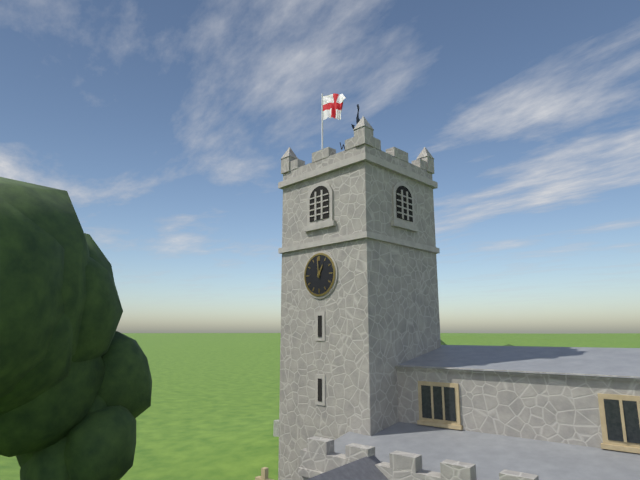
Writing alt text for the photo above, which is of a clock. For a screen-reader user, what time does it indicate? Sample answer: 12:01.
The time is 12:59
